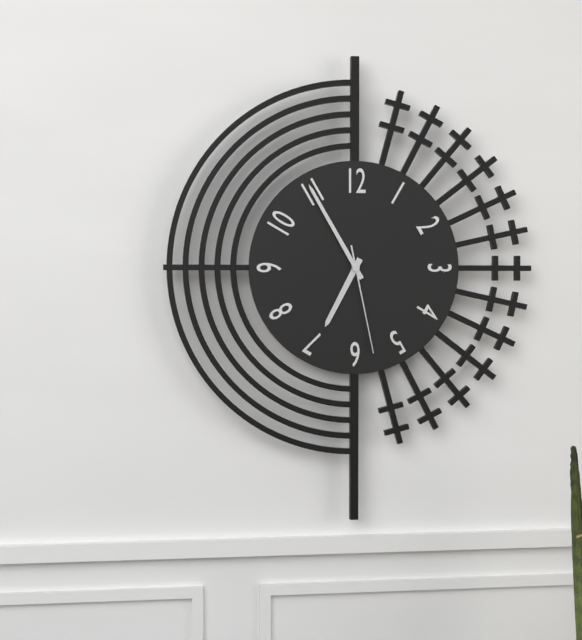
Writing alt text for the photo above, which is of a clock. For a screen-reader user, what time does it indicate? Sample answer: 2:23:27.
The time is 6:55:28
